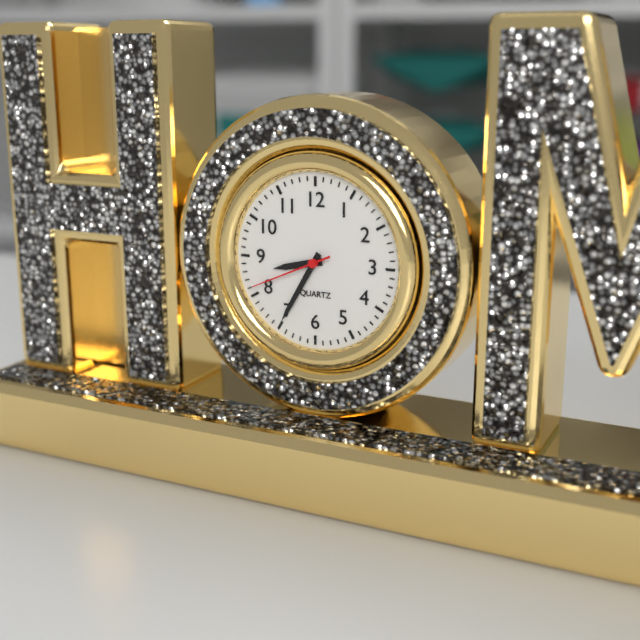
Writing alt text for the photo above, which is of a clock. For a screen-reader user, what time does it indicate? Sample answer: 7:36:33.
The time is 8:35:41
